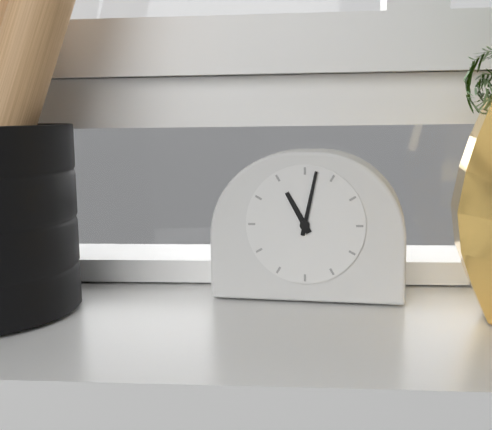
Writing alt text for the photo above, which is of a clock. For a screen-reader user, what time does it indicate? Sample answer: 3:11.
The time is 11:02
